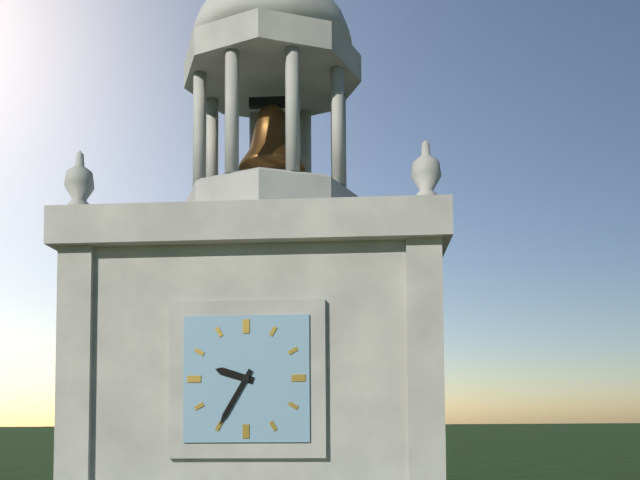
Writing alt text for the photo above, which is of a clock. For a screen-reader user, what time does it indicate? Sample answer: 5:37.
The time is 9:35
